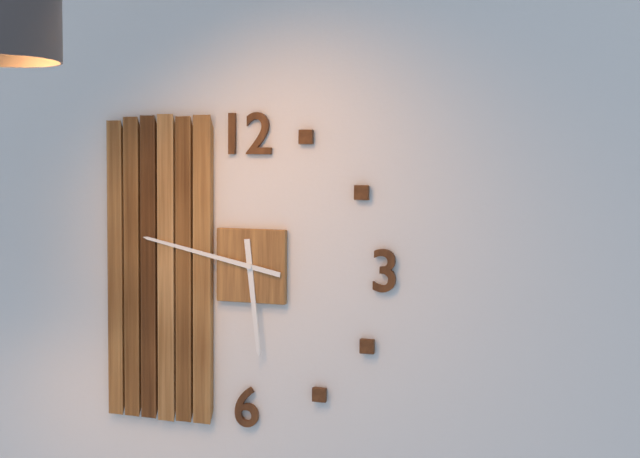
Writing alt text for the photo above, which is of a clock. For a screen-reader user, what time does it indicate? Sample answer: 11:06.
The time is 5:47
